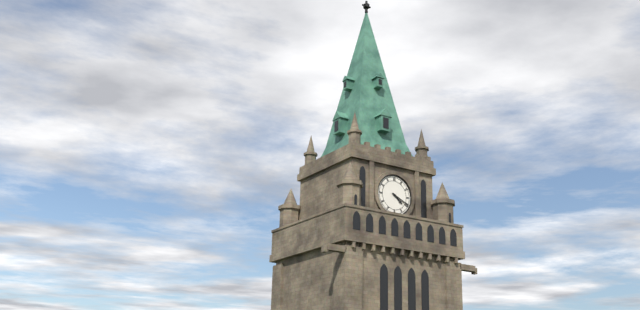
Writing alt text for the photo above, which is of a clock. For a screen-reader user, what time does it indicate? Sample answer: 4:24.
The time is 4:19
